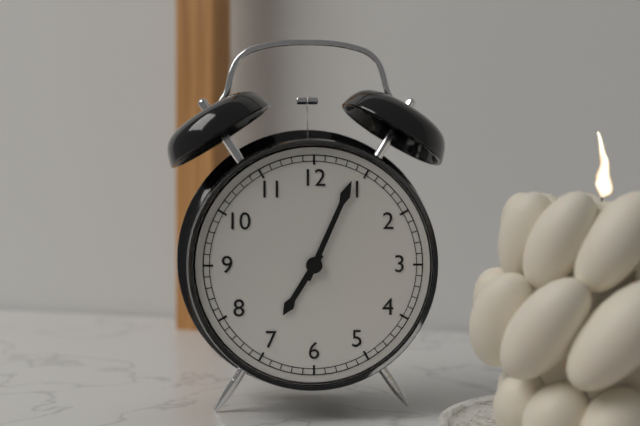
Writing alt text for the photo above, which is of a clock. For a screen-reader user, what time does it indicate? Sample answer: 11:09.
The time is 7:04
